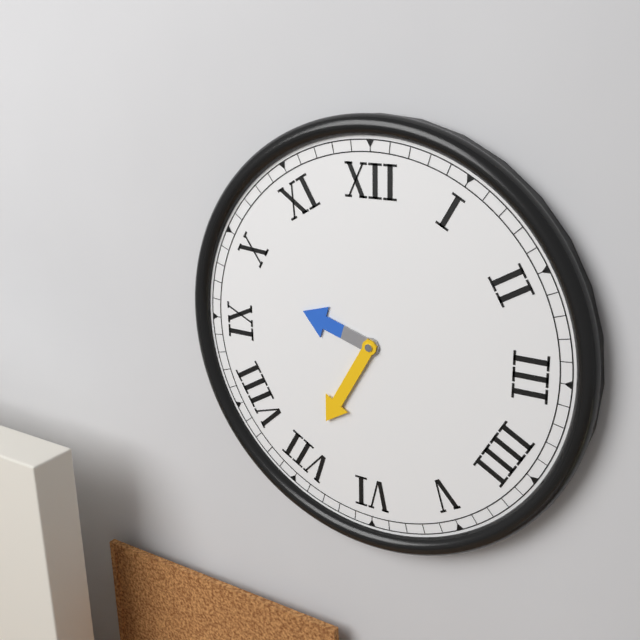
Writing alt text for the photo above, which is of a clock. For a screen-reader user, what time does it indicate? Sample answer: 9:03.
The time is 9:35
